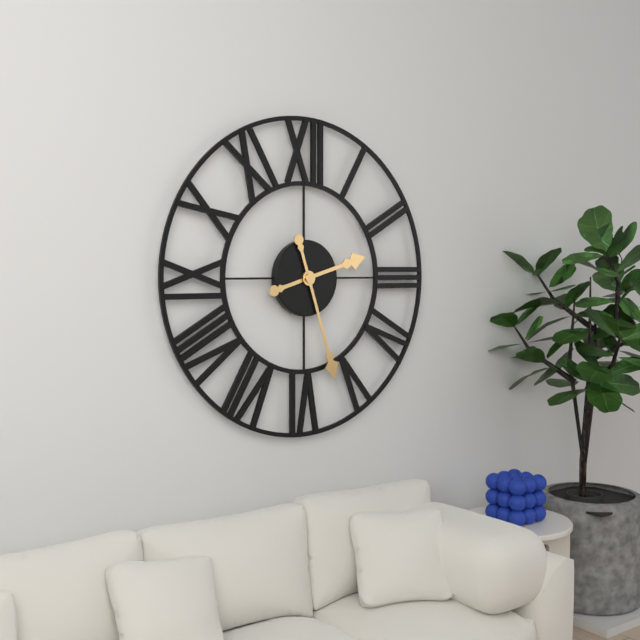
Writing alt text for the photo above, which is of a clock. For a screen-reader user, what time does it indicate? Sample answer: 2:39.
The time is 2:27
